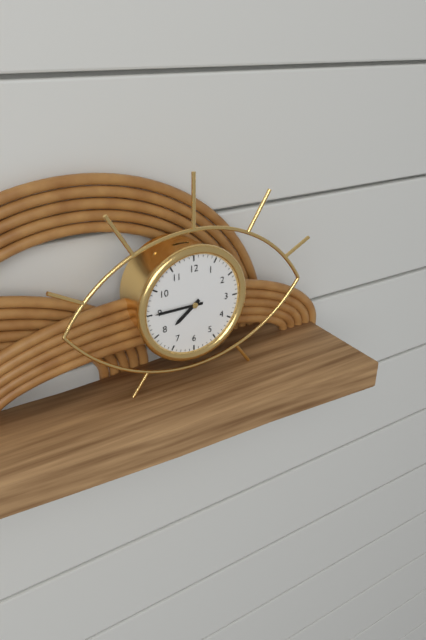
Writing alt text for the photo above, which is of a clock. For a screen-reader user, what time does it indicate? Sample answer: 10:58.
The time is 7:45
